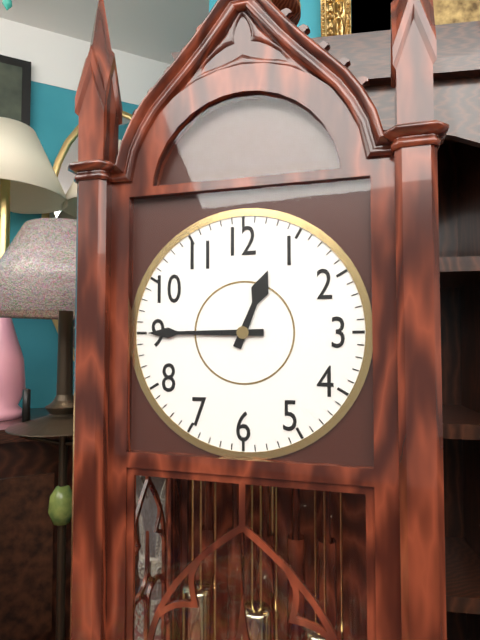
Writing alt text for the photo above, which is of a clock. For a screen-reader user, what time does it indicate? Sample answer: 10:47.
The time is 12:45
